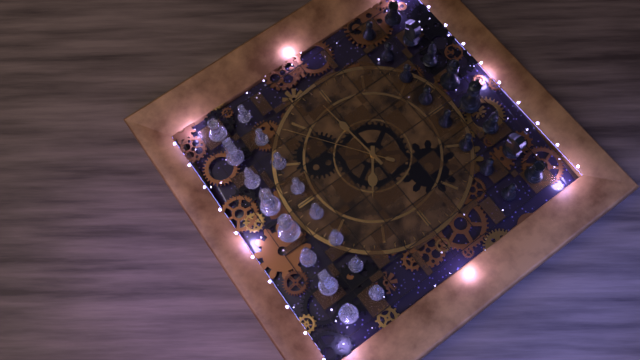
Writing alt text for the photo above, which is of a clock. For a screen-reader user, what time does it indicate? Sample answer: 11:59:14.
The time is 10:14:09
